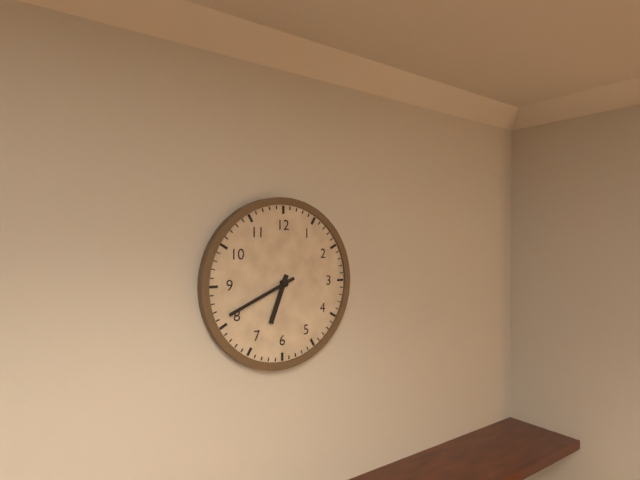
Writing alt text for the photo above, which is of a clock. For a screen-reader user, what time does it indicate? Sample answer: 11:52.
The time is 6:41
